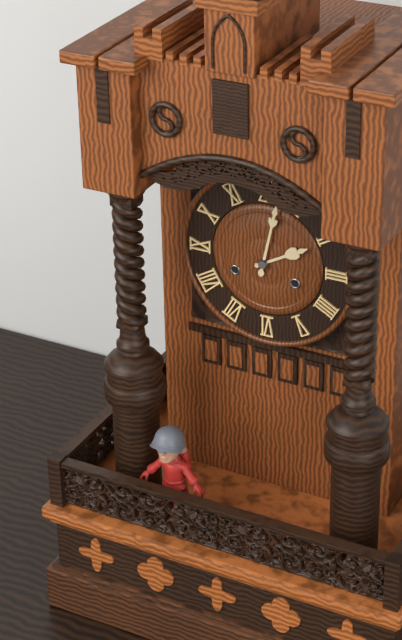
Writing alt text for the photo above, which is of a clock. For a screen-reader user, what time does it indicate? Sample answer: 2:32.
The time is 2:02
